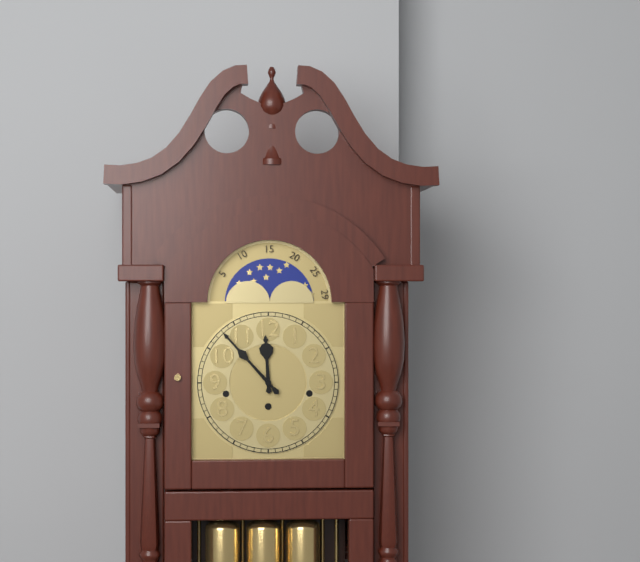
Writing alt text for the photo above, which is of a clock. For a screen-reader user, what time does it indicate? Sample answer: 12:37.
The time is 11:53
